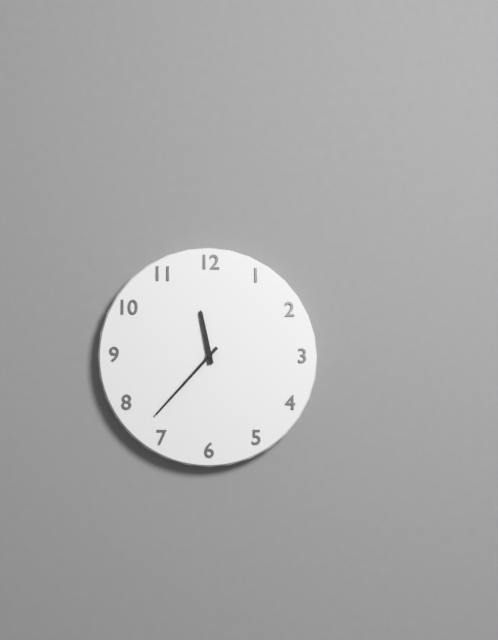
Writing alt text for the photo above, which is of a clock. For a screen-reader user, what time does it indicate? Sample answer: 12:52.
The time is 11:37
